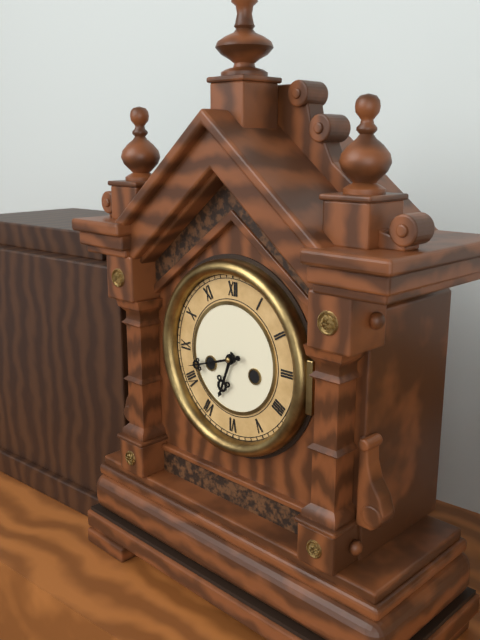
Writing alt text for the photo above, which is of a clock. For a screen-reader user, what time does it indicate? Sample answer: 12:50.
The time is 6:42
